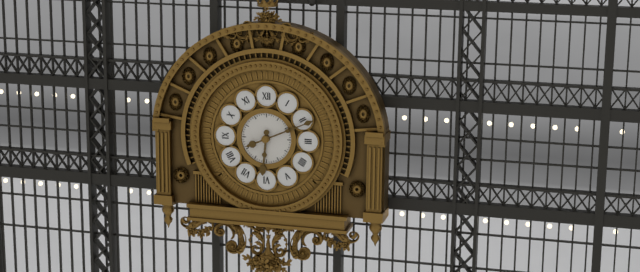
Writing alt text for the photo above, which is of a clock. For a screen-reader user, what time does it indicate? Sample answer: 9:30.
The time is 6:11
